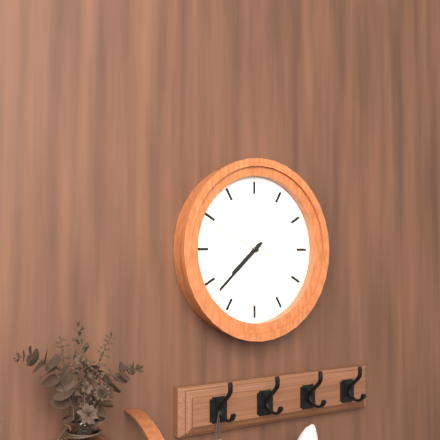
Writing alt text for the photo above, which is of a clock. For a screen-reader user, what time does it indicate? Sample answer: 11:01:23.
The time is 7:38:49
